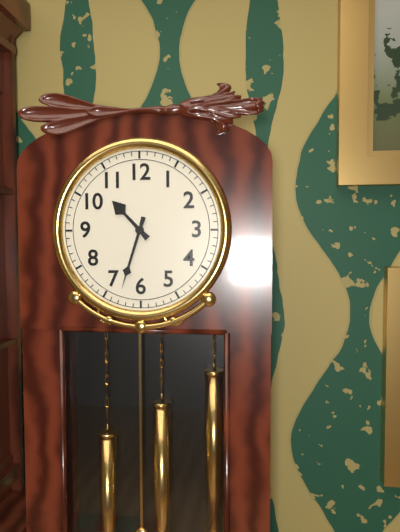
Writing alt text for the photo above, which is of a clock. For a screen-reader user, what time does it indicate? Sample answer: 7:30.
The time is 10:33
